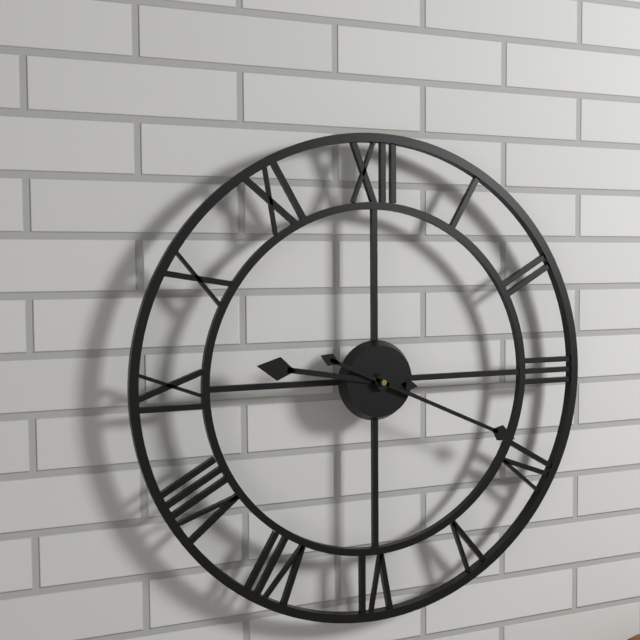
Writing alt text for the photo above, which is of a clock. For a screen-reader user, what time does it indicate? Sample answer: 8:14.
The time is 9:19
